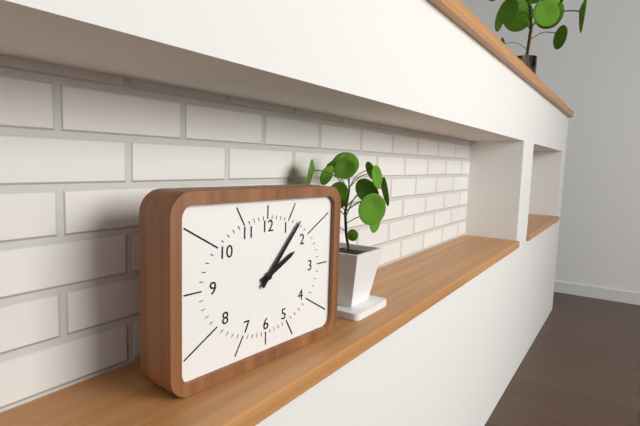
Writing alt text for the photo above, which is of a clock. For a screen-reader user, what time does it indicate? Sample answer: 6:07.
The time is 2:07
